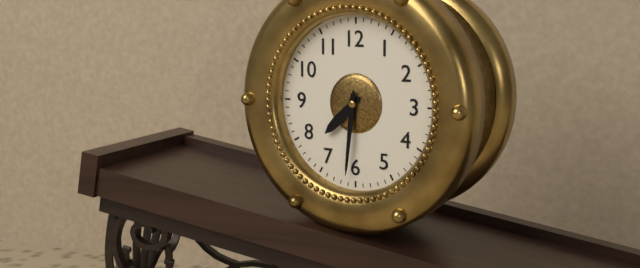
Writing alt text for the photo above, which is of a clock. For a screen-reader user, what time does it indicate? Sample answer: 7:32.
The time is 7:31
